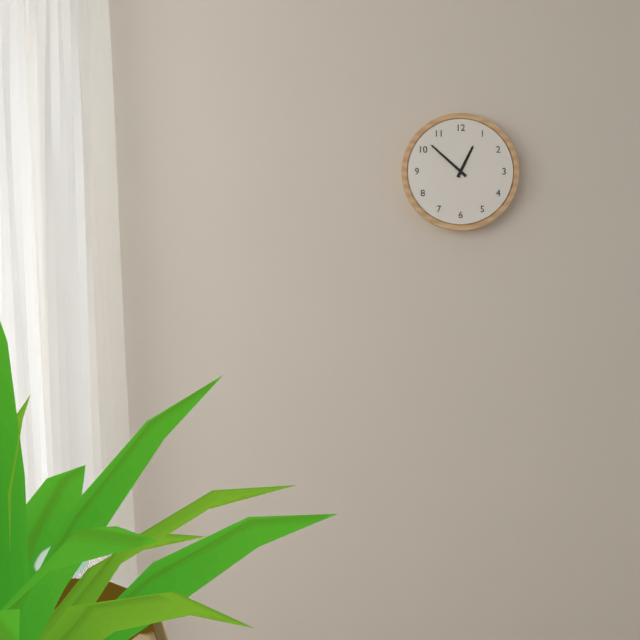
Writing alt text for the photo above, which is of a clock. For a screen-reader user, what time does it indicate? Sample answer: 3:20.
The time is 12:52
